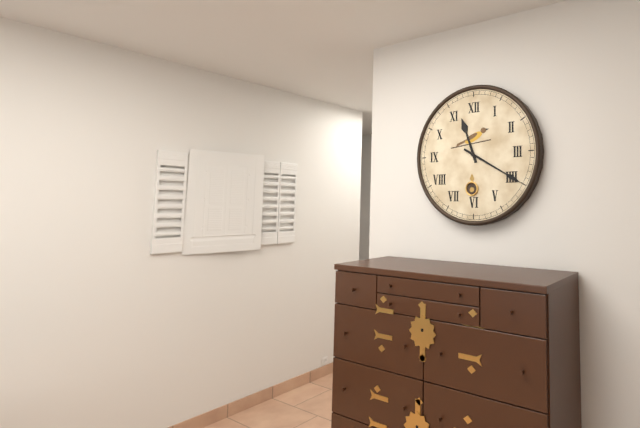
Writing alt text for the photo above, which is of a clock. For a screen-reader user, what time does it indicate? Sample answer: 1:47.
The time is 11:20
